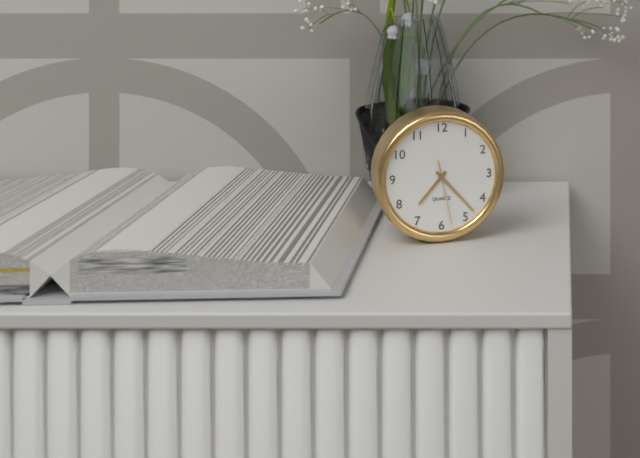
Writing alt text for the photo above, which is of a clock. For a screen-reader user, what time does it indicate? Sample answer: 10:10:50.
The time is 7:23:28
